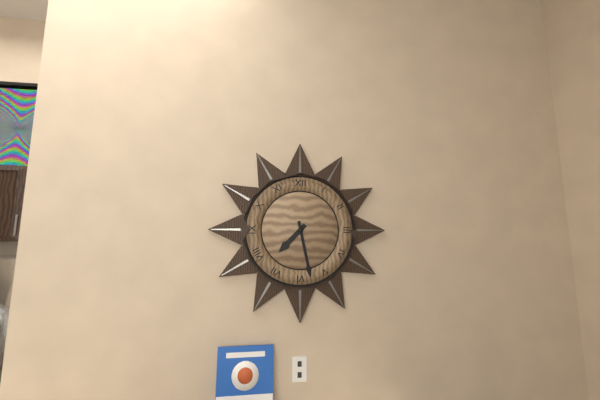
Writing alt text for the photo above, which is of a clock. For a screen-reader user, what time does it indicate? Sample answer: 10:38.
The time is 7:28
